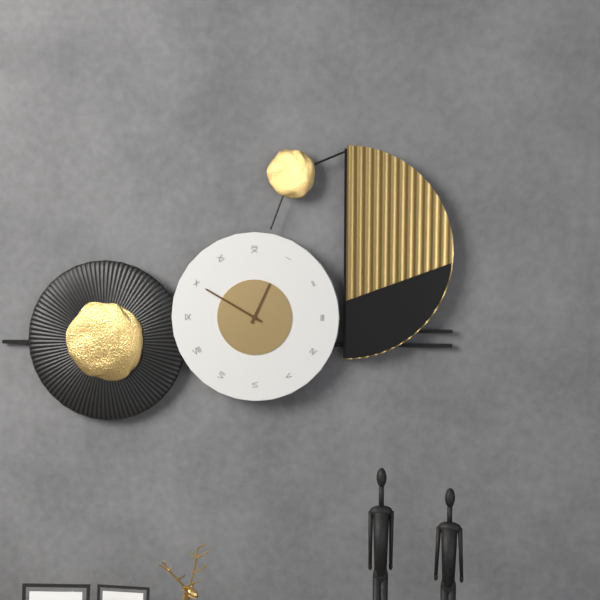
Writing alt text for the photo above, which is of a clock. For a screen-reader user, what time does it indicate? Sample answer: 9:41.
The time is 12:50
